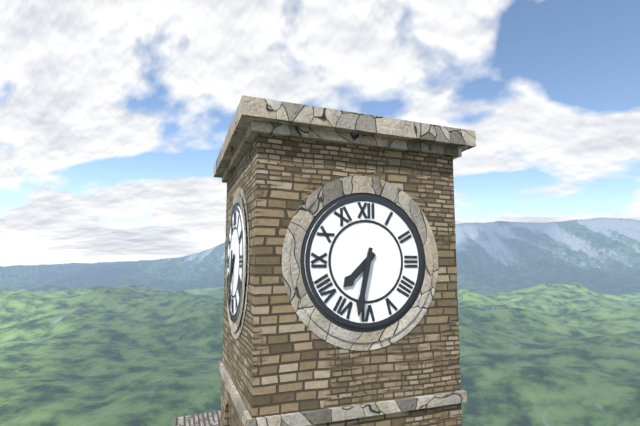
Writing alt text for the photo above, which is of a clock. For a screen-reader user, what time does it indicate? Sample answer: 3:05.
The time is 7:32
